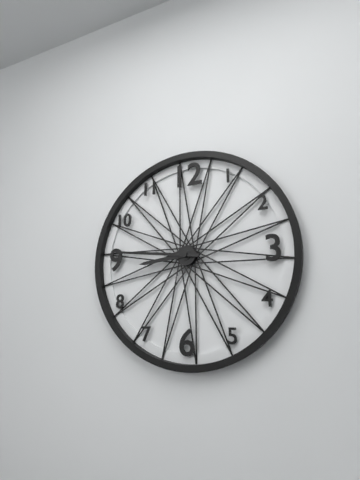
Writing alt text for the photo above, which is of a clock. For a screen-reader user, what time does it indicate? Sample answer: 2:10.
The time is 8:46
